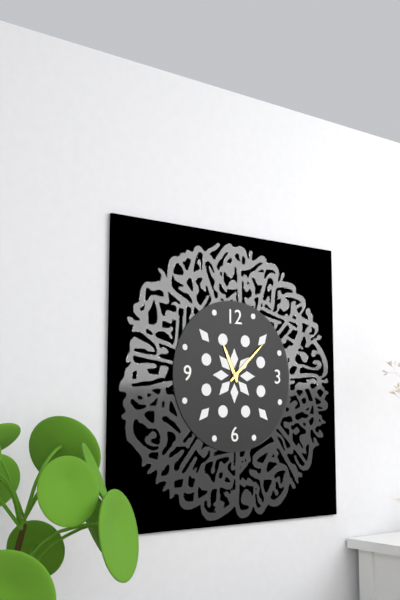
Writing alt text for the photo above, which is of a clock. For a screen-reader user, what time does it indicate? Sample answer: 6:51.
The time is 11:08
